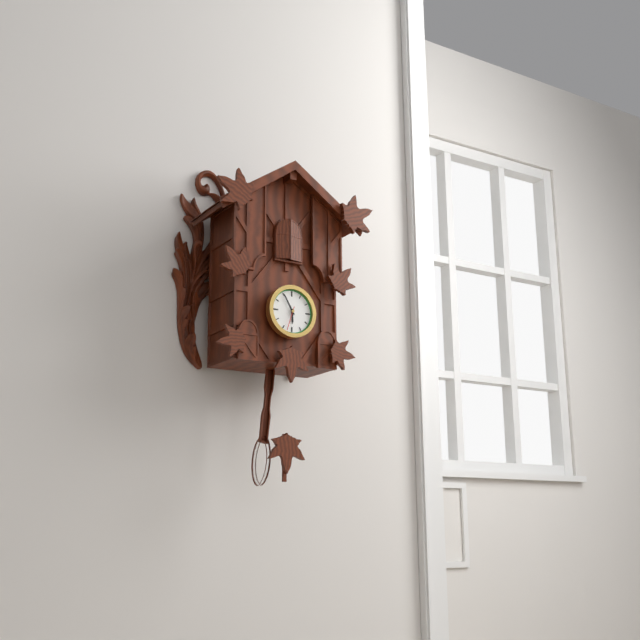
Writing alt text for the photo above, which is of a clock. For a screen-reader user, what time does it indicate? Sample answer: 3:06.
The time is 5:55
